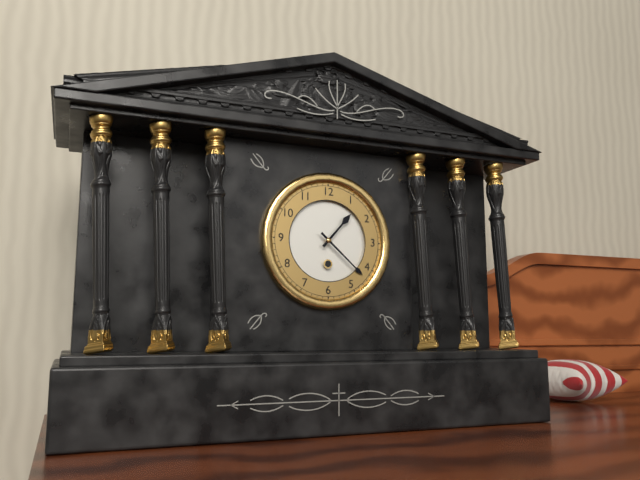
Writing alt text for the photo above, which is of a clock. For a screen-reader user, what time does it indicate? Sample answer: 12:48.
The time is 1:22
